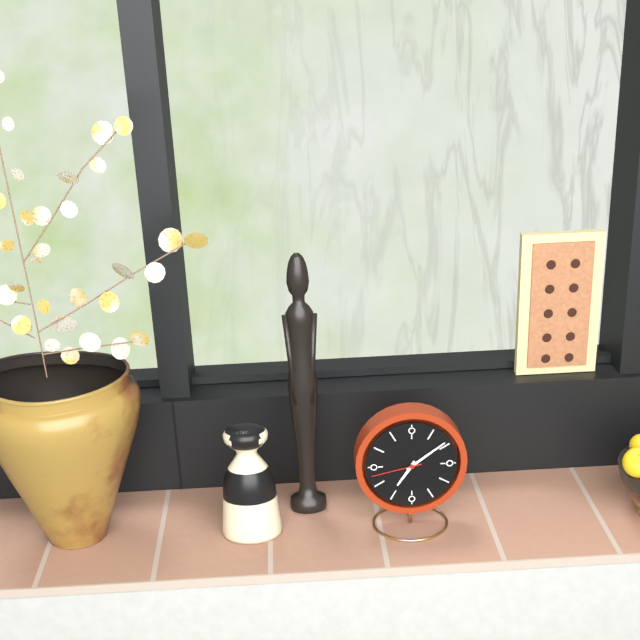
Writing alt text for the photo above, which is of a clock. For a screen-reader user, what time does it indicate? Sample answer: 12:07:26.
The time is 7:09:43
